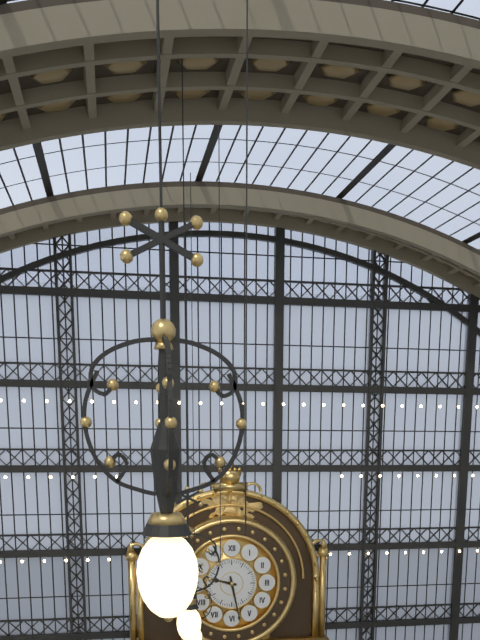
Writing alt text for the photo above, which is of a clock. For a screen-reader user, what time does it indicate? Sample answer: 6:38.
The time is 9:28
